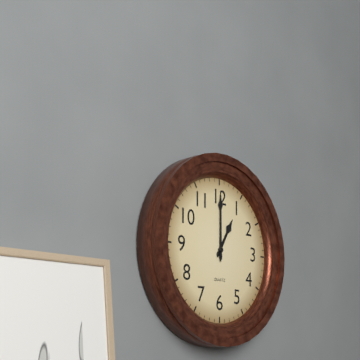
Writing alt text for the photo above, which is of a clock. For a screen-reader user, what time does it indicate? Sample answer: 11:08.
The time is 1:00
